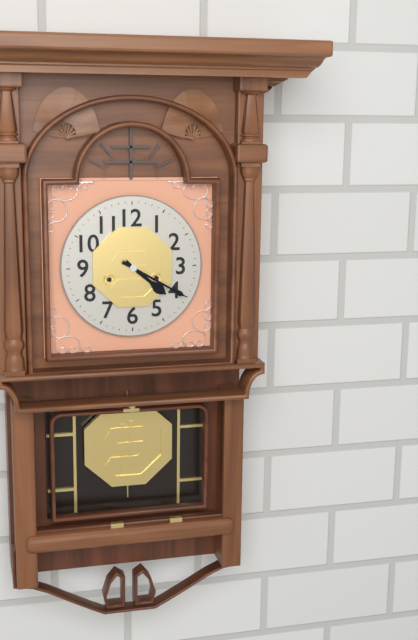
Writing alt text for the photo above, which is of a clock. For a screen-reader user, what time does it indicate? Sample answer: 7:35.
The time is 4:20
